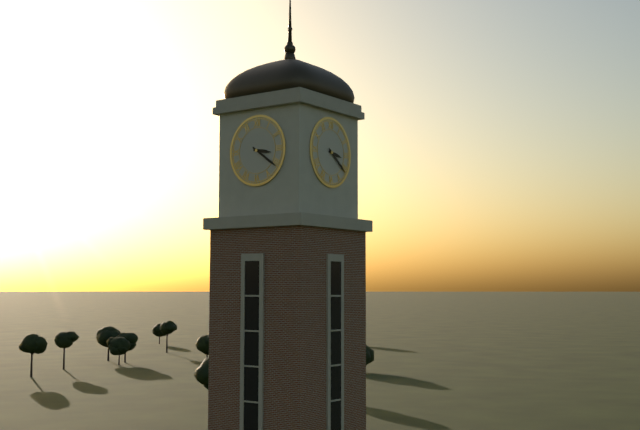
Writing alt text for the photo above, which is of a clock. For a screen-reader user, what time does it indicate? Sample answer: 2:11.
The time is 3:21
